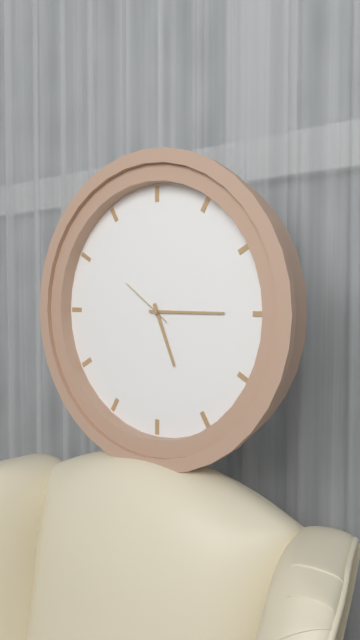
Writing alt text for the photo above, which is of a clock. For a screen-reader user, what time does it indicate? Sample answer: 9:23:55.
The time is 5:15:51
